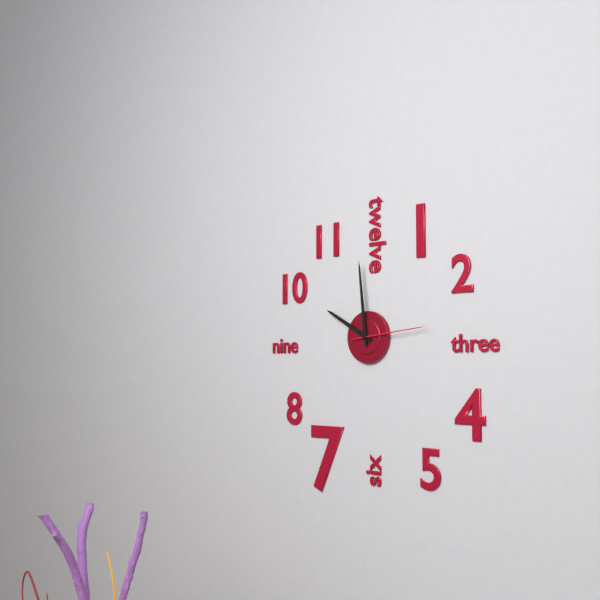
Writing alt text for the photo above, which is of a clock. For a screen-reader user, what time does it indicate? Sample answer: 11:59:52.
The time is 9:59:14
